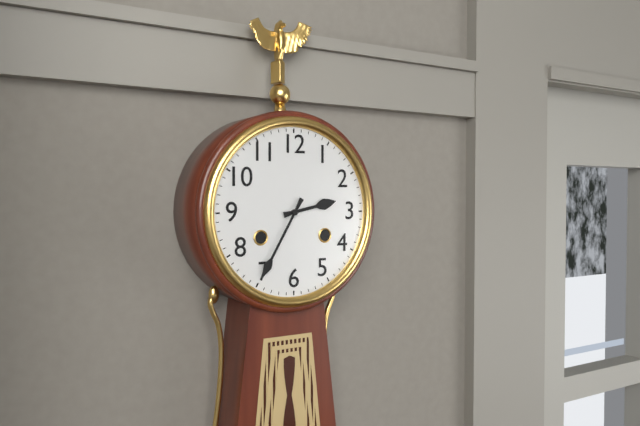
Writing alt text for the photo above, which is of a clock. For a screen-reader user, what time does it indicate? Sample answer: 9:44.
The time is 2:35
